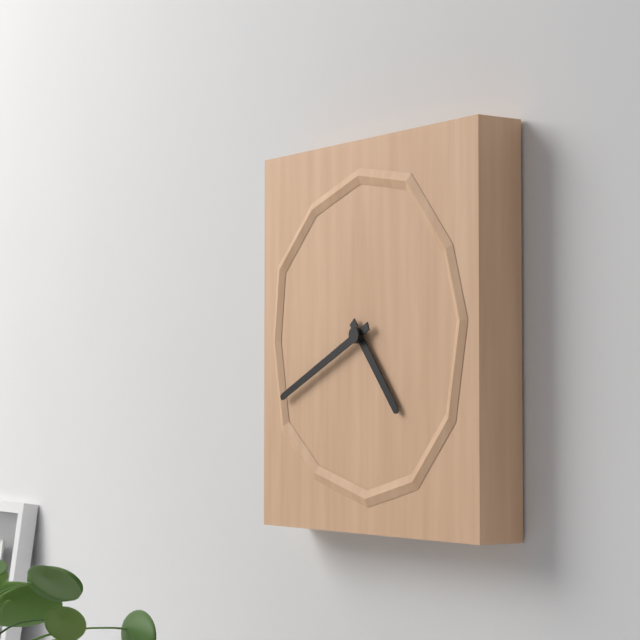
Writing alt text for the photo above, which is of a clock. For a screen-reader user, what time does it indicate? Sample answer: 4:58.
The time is 4:41
